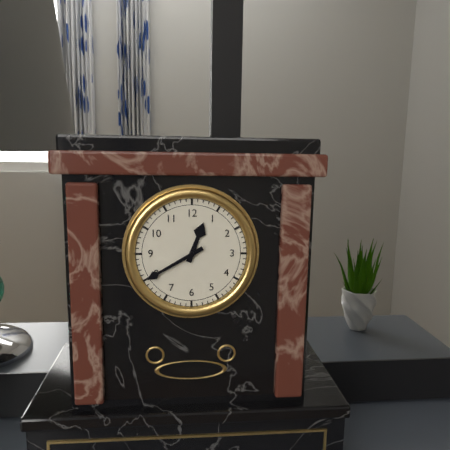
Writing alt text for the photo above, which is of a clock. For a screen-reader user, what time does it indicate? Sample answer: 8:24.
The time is 12:40
